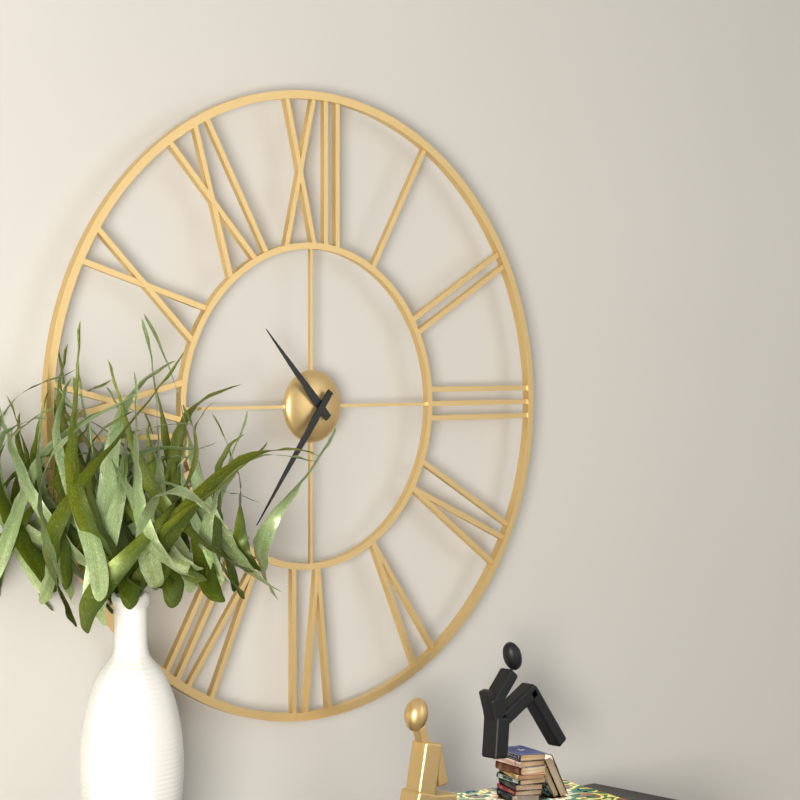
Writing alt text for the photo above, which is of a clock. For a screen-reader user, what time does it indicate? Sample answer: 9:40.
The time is 10:36
